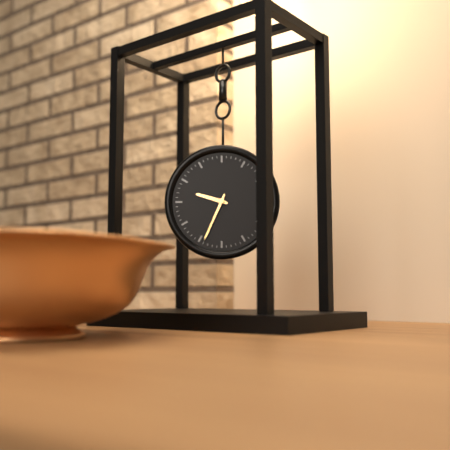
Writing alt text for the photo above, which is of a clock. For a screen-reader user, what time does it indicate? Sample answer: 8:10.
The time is 9:34
